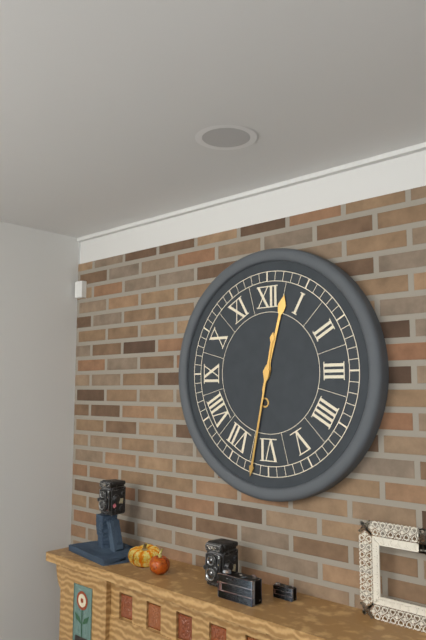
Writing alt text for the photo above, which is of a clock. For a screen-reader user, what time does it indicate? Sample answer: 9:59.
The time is 12:32
